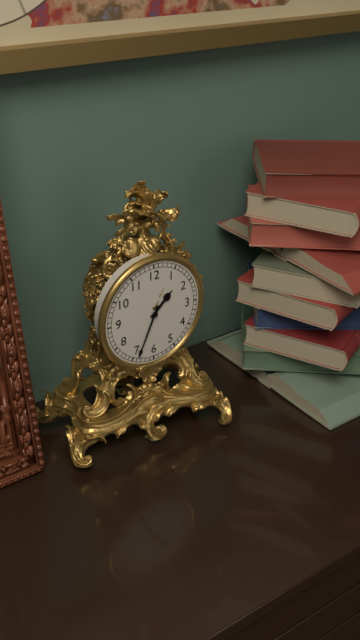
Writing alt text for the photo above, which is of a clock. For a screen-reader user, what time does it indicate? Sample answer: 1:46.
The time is 1:34
